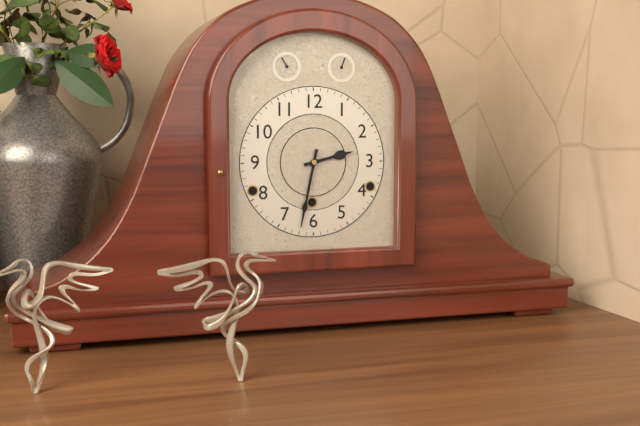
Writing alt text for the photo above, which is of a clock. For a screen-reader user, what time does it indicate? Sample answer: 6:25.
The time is 2:32
